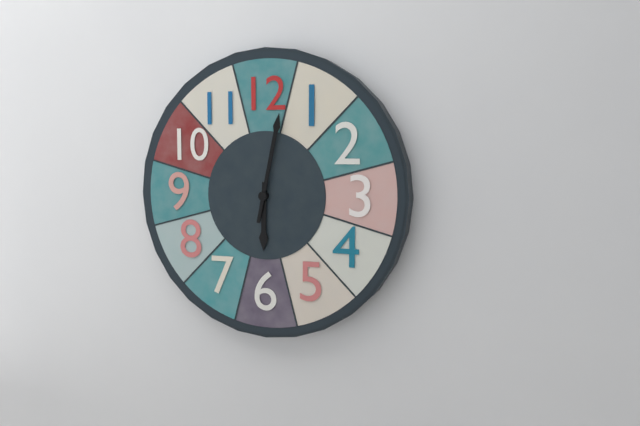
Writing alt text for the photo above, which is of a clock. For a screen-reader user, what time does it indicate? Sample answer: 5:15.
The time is 6:02
